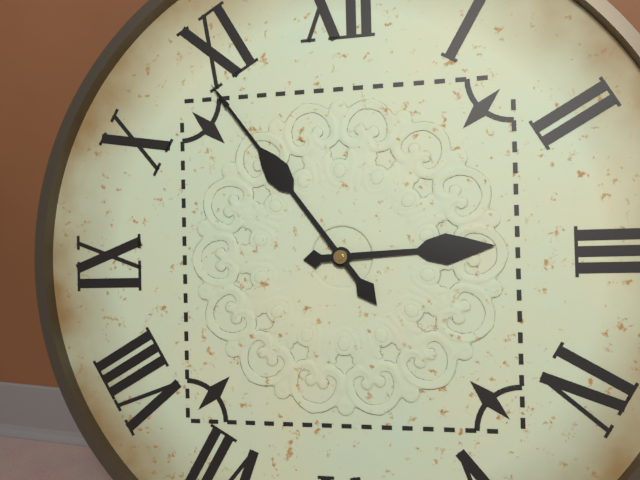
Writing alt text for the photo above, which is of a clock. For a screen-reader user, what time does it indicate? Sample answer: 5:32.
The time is 2:54
